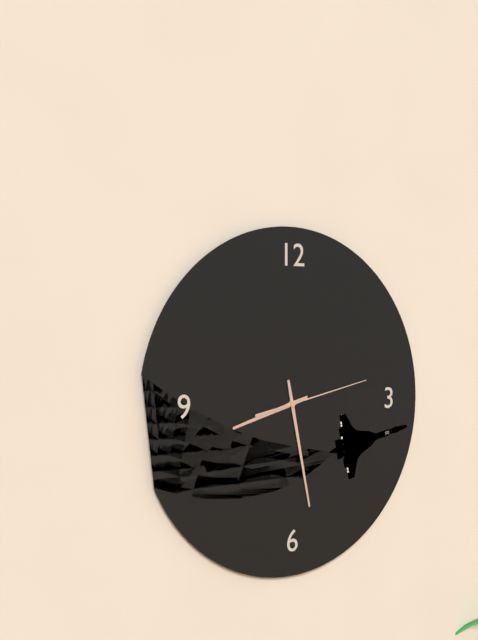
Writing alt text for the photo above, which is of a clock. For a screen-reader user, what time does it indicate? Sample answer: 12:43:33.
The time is 8:28:13
